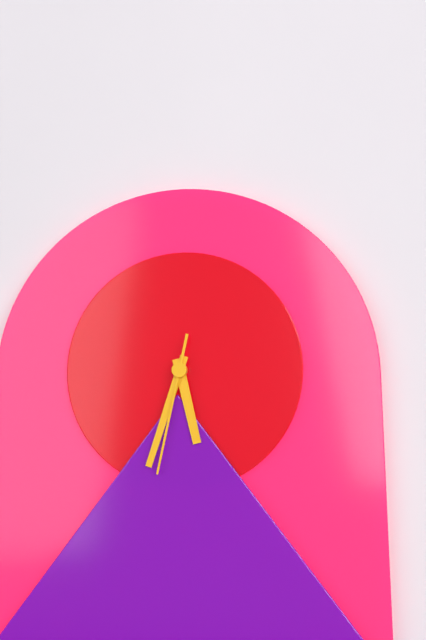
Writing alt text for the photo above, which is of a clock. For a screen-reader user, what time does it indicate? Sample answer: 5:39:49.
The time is 5:33:32
